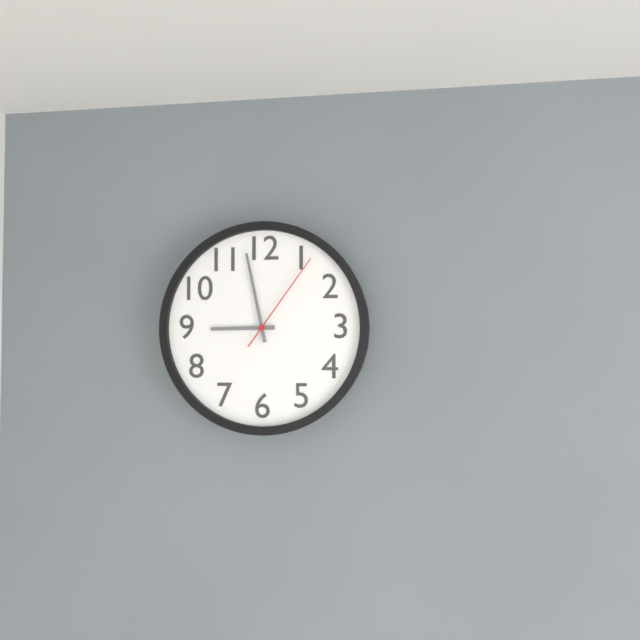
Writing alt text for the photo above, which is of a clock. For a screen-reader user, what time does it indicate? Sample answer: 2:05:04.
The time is 8:58:06
